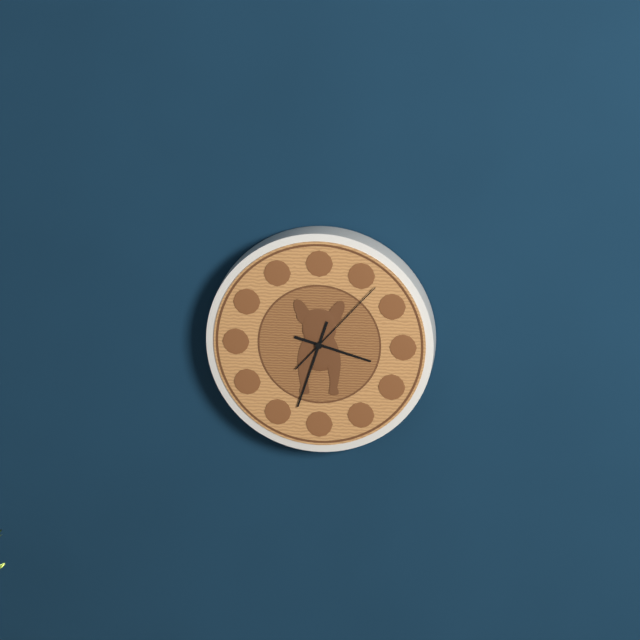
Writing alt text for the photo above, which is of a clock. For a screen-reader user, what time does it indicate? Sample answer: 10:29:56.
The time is 3:33:07
